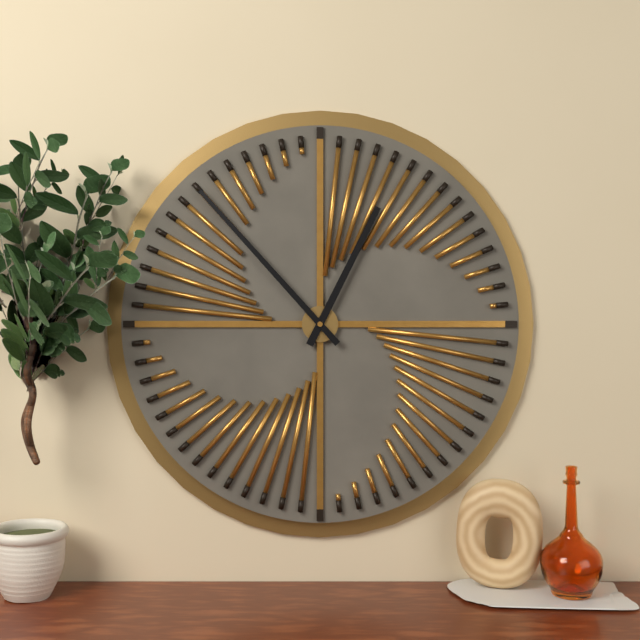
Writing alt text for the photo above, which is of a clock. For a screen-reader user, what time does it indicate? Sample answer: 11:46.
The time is 12:53
